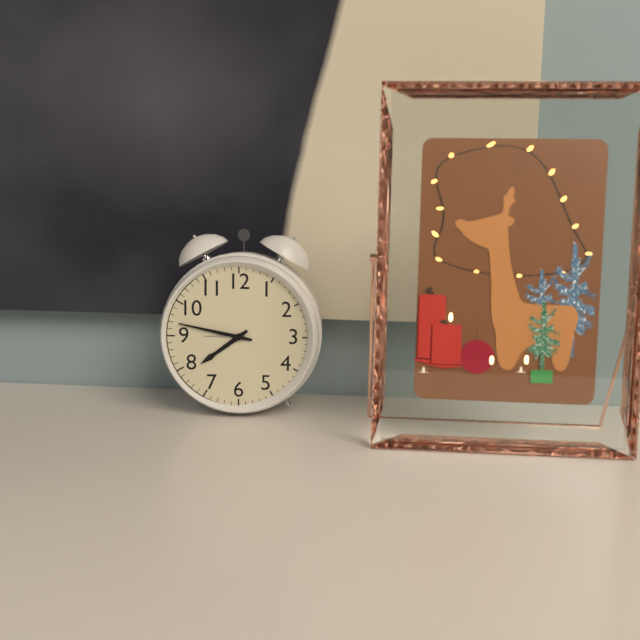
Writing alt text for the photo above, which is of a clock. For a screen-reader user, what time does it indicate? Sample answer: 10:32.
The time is 7:47
